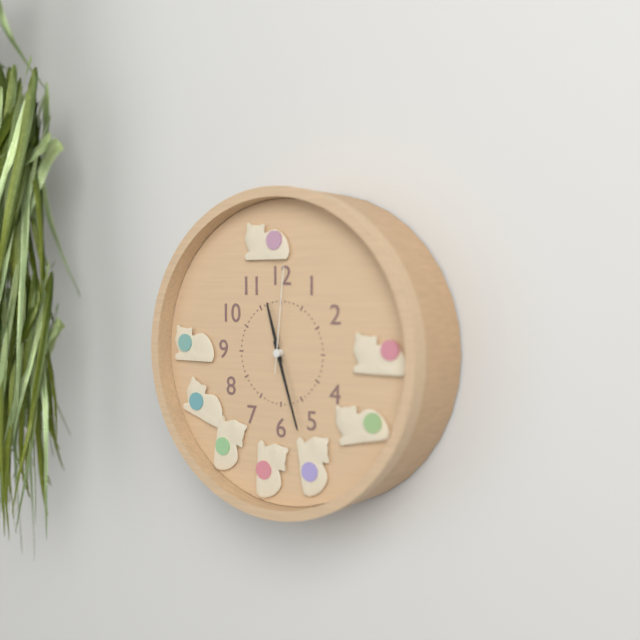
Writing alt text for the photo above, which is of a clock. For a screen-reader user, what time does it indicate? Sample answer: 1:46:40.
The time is 11:27:01
